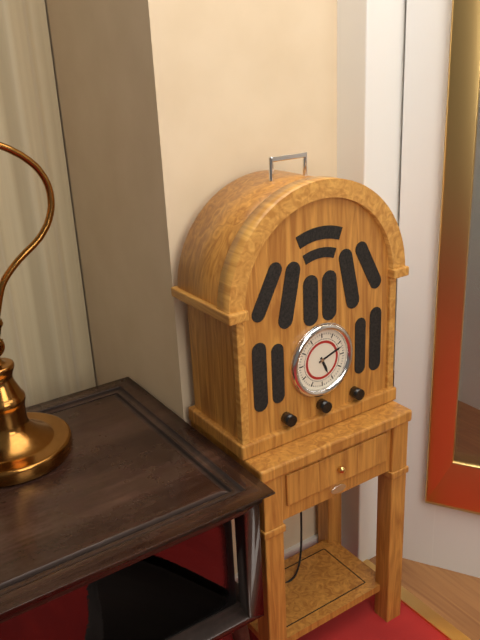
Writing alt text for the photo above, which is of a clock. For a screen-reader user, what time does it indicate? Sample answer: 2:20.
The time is 5:12
